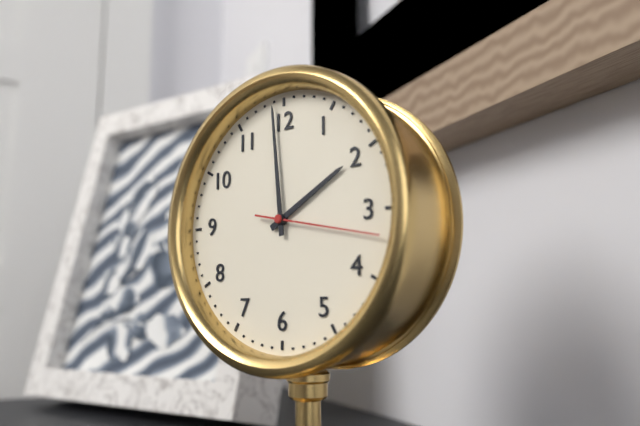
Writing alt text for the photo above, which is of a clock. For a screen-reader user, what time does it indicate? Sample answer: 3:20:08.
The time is 1:59:17
